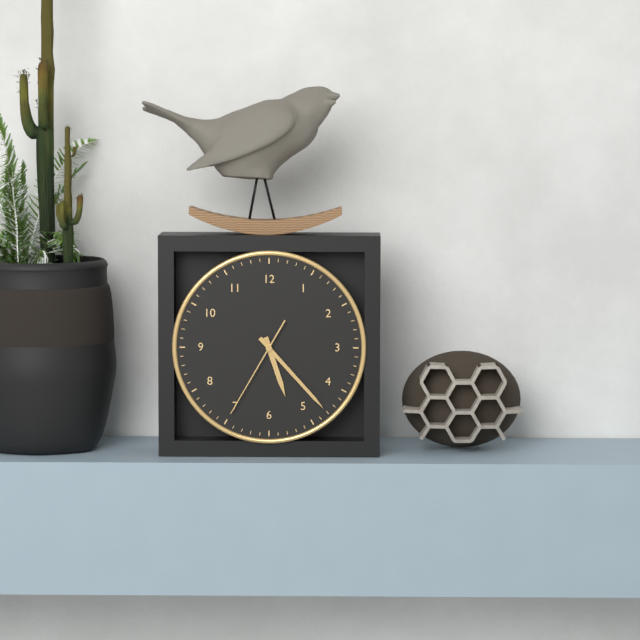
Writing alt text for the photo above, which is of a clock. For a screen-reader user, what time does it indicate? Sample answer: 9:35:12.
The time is 5:23:35
